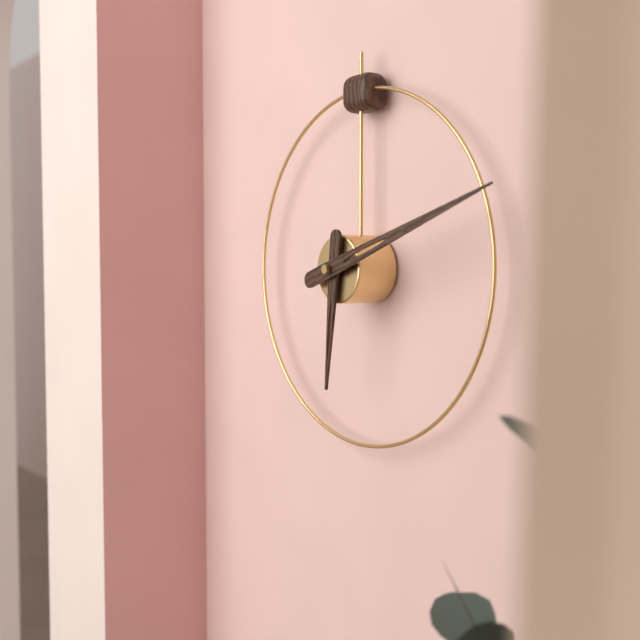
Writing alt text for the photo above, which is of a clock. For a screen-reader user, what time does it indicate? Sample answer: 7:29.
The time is 6:12
